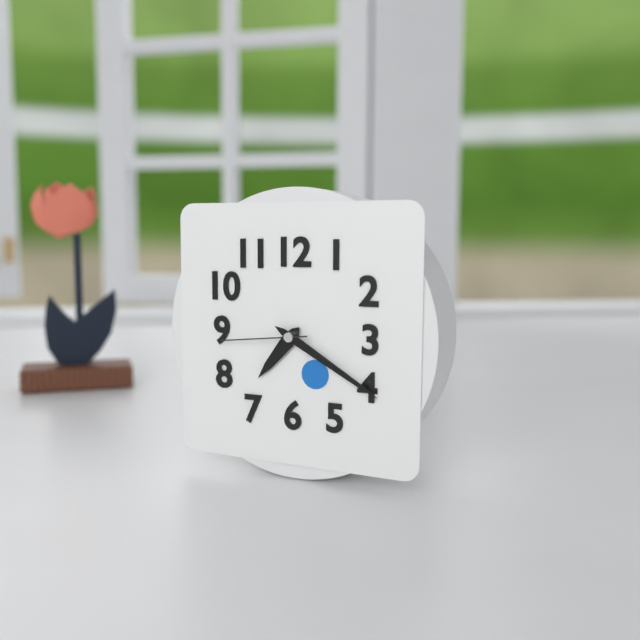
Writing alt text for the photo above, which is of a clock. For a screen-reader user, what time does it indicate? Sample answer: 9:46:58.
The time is 7:20:44
